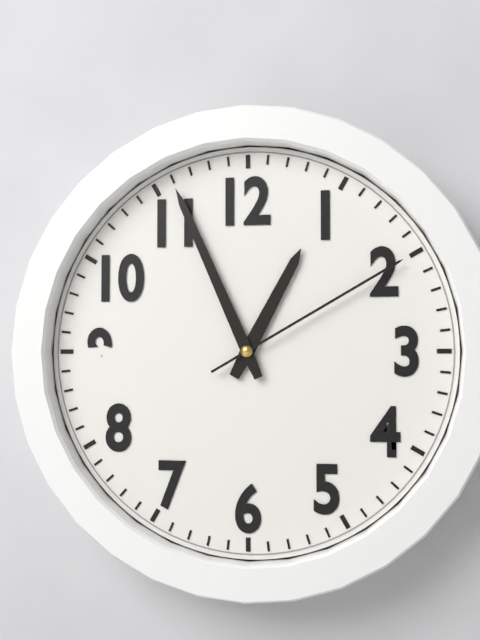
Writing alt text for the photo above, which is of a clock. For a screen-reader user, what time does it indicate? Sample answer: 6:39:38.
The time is 12:56:10
